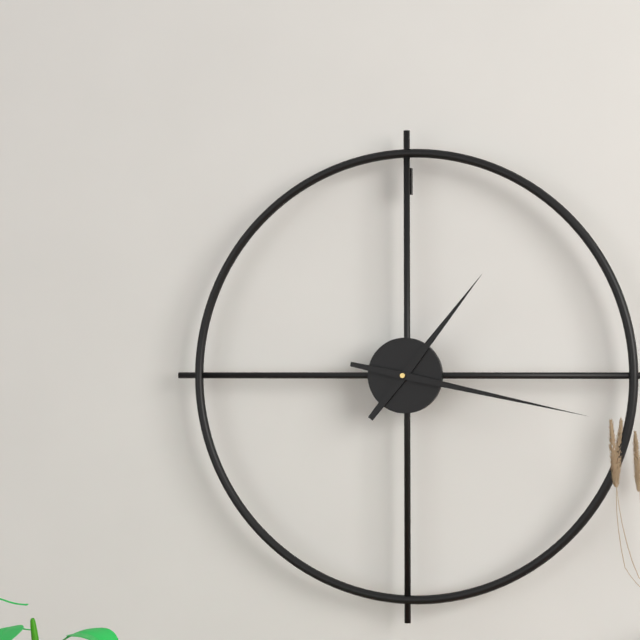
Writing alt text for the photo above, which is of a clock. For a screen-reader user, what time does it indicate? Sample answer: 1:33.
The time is 1:17
